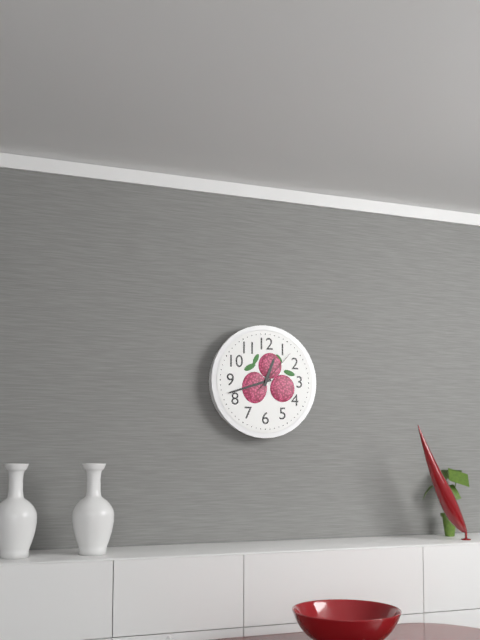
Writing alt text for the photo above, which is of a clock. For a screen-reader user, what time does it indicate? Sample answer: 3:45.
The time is 12:42
